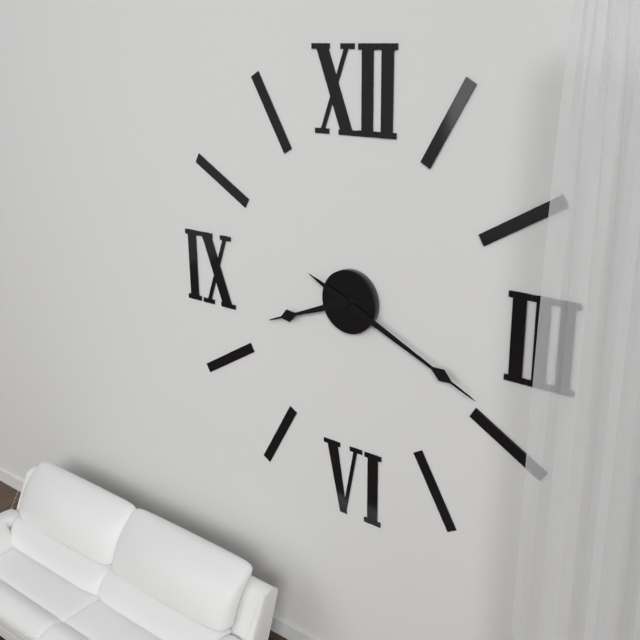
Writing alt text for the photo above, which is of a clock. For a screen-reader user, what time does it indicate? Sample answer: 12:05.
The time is 8:19
